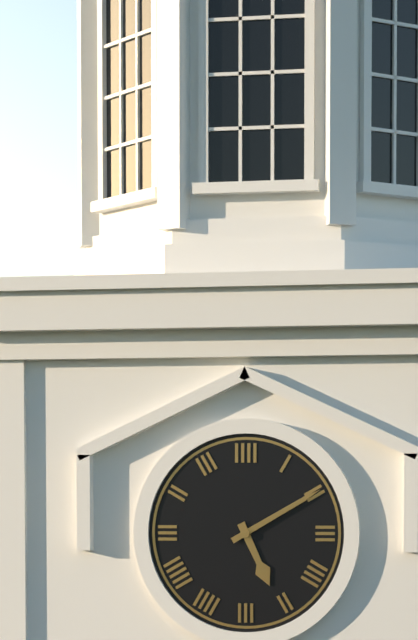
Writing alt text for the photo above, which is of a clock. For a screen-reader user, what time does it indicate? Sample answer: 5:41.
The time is 5:10
